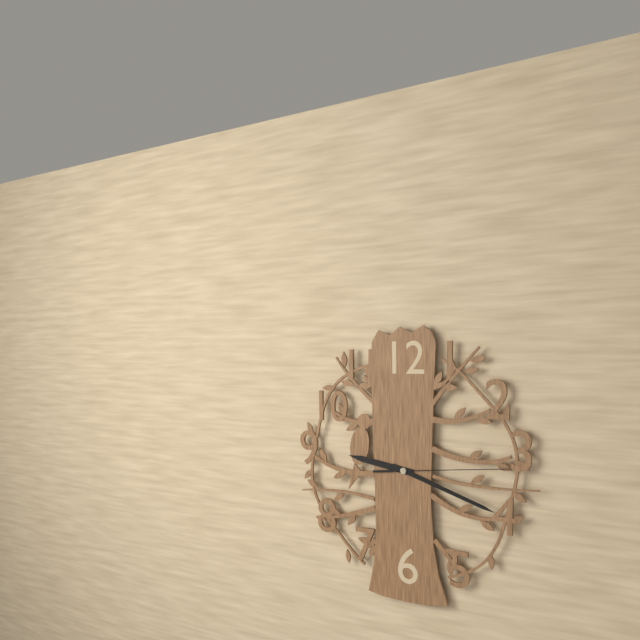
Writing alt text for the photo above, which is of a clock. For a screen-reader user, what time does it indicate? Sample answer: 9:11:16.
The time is 9:18:14
